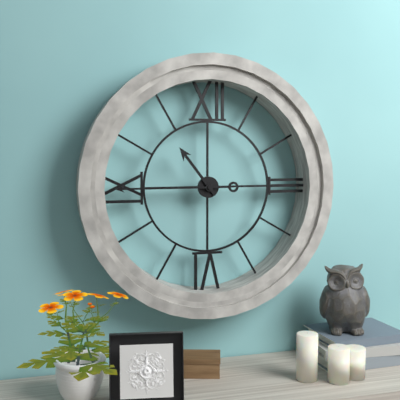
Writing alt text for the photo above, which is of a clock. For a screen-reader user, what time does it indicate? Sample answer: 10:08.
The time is 10:45
